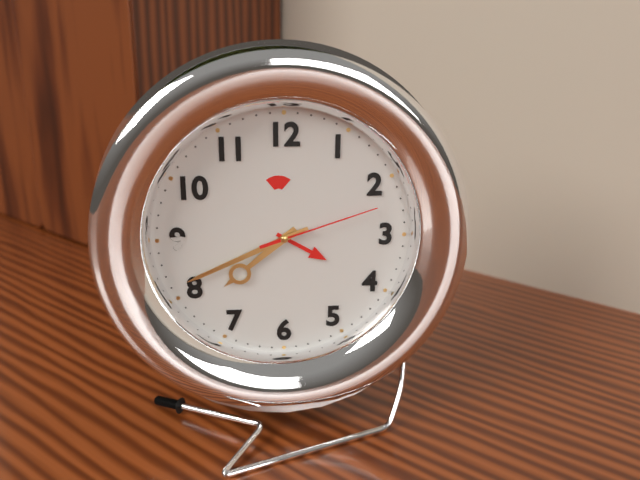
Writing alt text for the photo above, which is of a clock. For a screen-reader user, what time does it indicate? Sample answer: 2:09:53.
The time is 7:41:12
